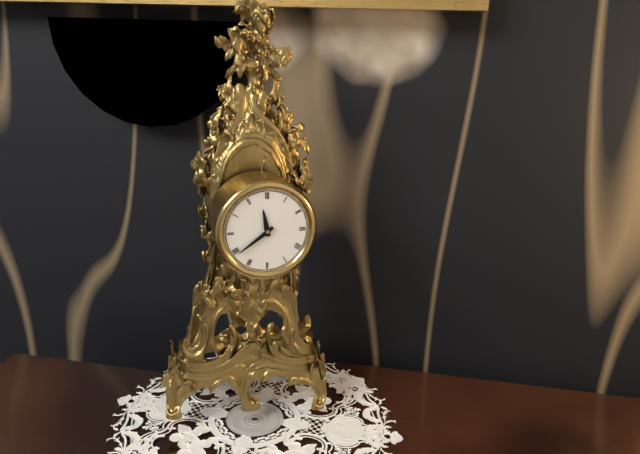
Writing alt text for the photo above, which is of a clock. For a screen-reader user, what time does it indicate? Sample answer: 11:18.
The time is 11:39
